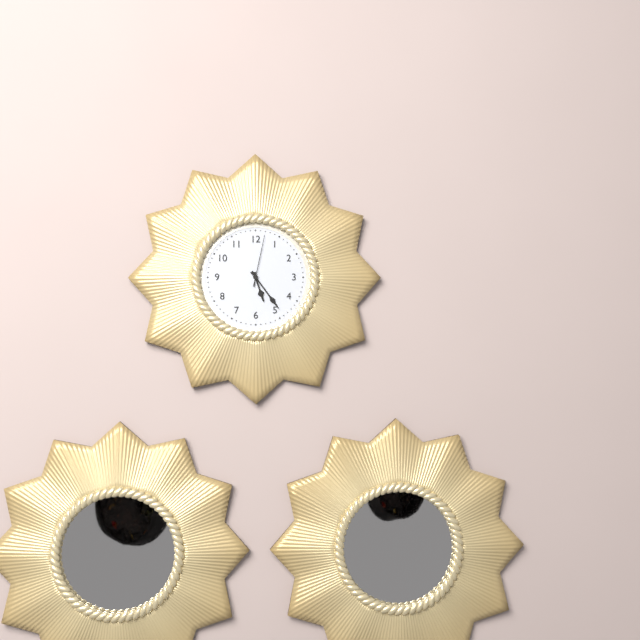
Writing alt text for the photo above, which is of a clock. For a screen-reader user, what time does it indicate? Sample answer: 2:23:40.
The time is 5:24:02
